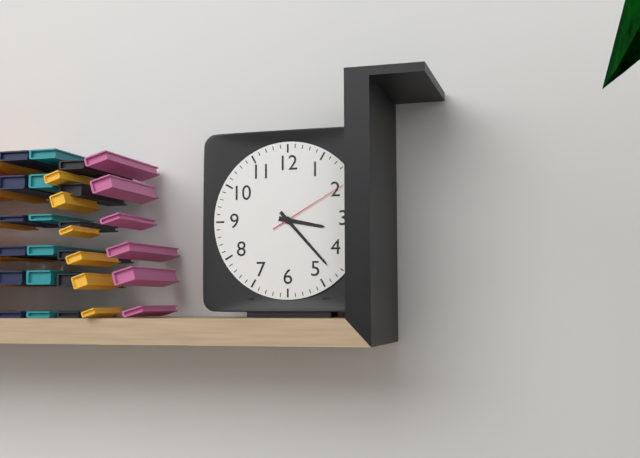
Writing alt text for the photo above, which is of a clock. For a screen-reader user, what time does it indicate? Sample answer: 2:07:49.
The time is 3:23:10
